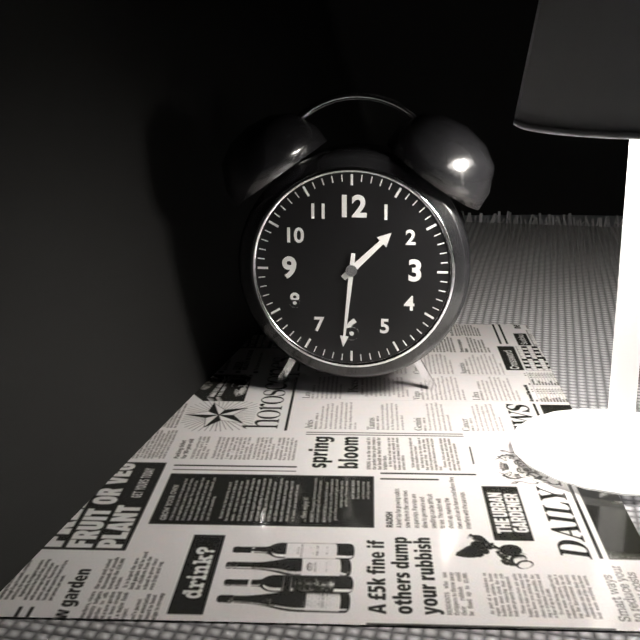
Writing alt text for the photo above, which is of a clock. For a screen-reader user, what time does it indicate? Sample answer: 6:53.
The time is 1:31
